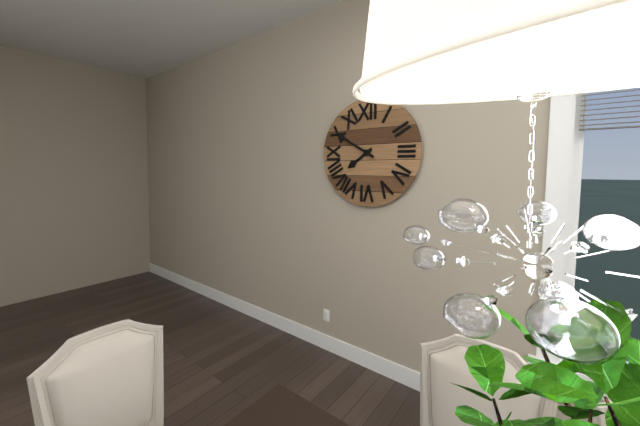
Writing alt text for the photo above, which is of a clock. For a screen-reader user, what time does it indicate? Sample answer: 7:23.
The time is 7:50
